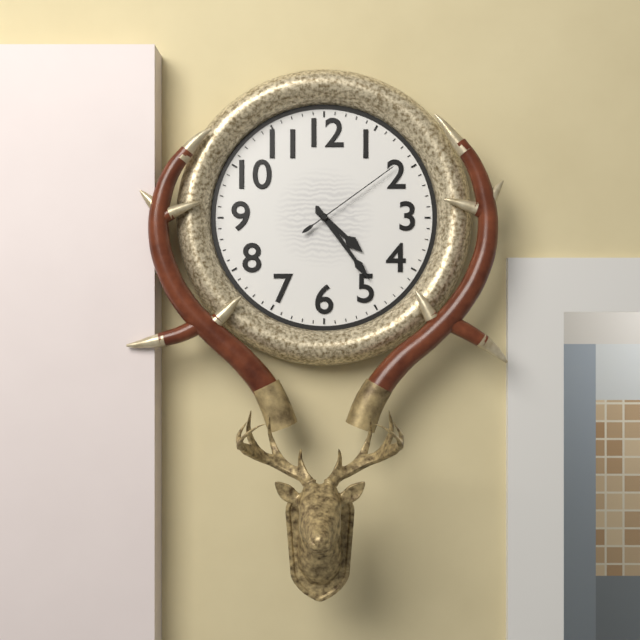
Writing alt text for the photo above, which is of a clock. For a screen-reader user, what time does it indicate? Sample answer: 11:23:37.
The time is 4:24:09
